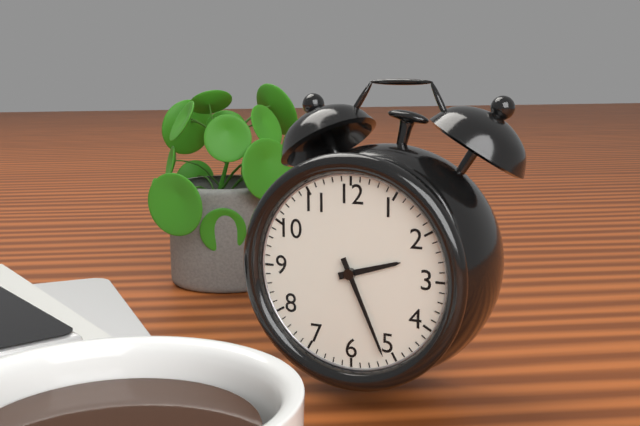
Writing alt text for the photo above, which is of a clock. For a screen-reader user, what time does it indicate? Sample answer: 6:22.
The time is 2:26
